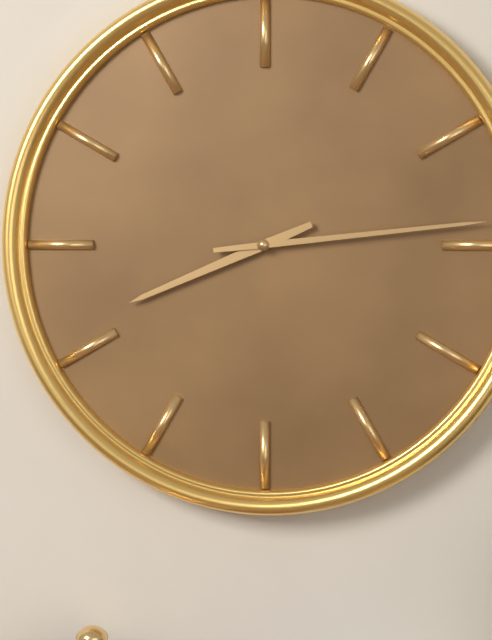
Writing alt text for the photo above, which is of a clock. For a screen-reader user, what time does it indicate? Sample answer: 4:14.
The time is 8:14
